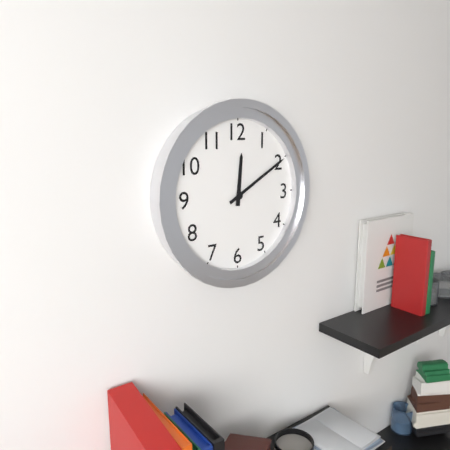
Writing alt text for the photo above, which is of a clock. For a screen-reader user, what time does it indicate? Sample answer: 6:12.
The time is 12:10
